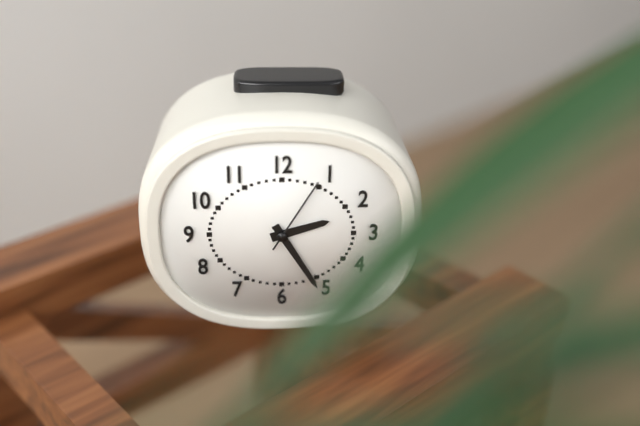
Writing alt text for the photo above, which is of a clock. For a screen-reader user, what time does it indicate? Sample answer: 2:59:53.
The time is 2:25:05
